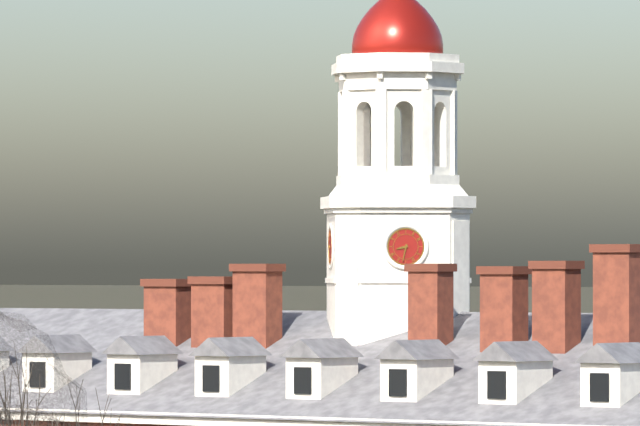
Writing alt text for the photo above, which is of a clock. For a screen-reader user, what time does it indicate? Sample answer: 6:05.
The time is 8:32
